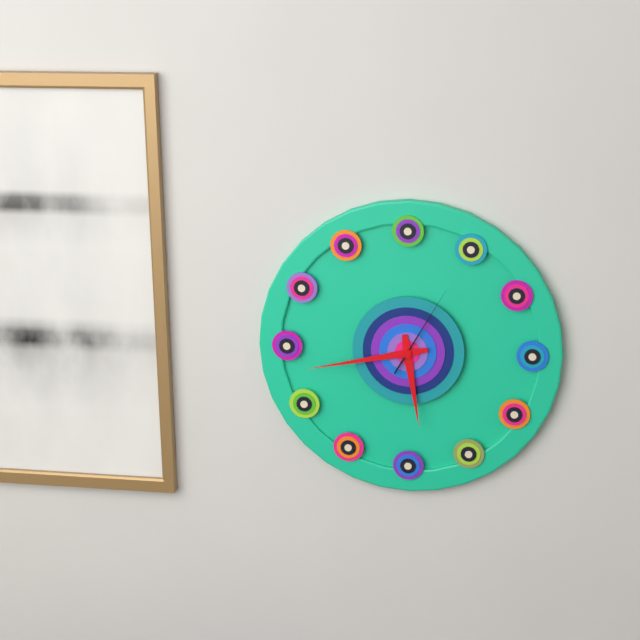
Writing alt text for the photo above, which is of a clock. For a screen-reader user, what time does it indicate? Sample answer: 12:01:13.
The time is 5:43:05
